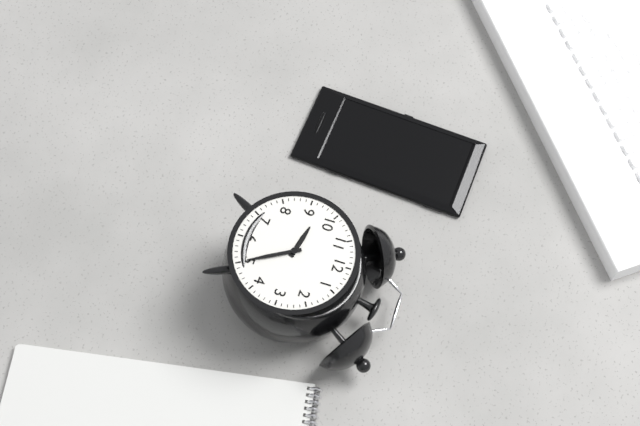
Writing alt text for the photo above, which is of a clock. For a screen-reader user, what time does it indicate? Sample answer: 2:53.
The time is 9:25
